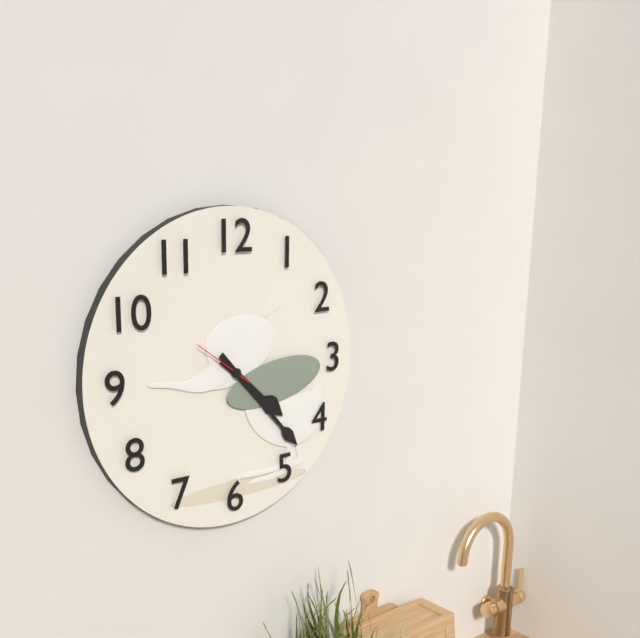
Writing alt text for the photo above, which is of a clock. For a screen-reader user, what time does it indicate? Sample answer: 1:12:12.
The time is 4:23:51
